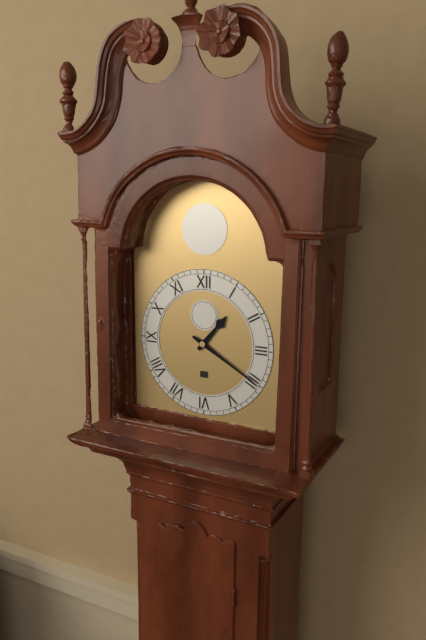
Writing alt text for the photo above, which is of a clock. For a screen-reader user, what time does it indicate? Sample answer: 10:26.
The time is 1:20
